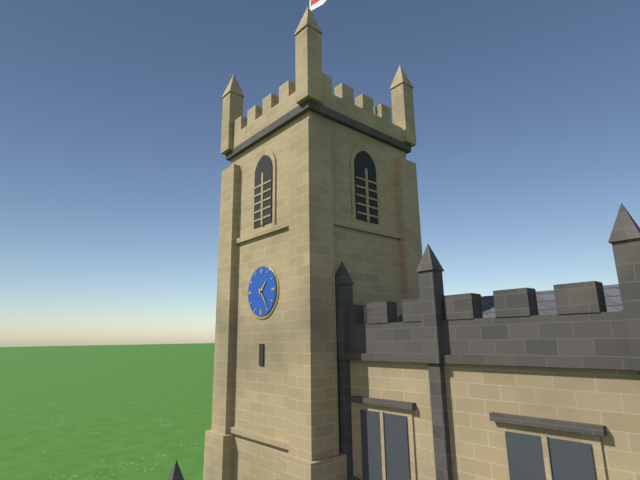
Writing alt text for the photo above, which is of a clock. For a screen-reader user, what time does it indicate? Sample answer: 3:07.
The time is 1:24
